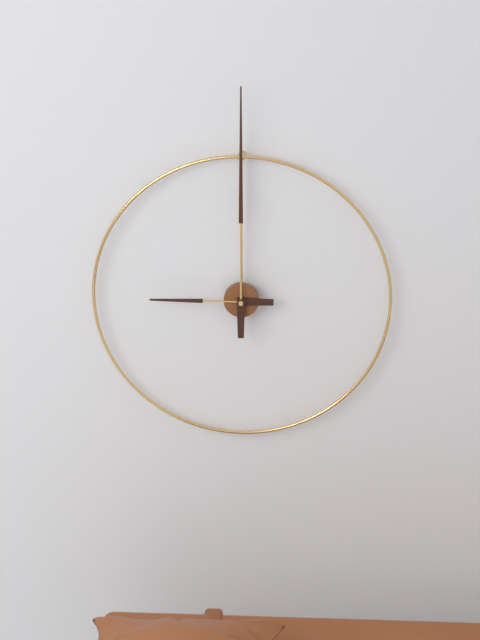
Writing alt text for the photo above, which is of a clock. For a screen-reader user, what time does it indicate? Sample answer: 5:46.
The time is 9:00
